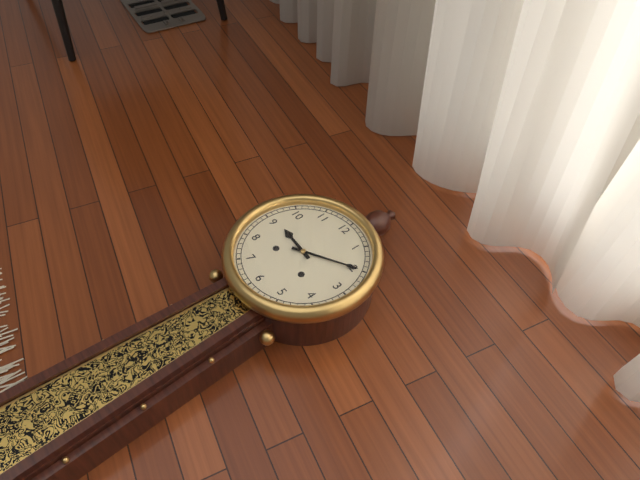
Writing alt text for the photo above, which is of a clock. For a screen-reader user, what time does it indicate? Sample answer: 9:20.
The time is 9:10
